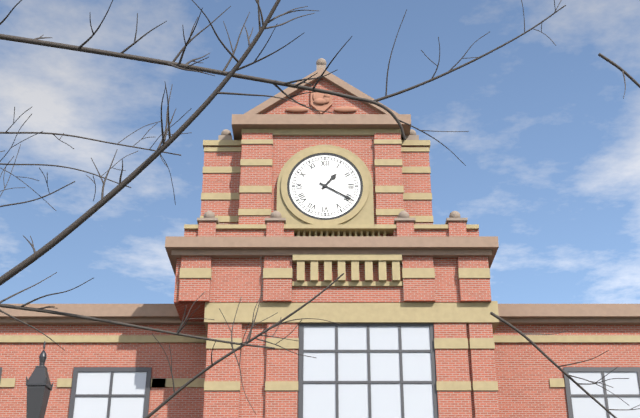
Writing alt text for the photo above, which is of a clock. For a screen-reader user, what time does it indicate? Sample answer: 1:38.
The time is 1:20
